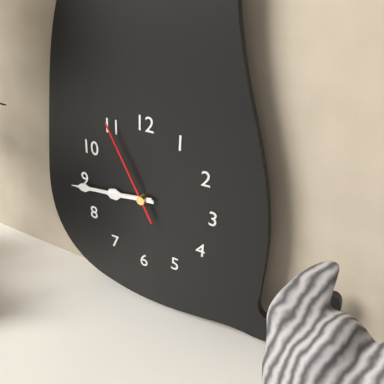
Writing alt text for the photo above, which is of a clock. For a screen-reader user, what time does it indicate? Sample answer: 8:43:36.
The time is 8:44:55
